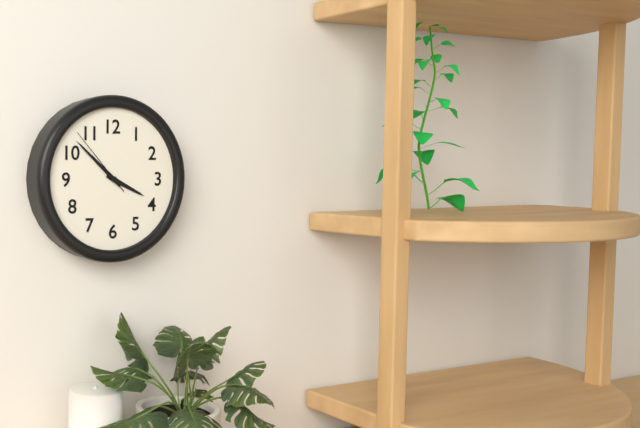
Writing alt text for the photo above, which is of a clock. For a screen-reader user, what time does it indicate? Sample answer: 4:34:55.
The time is 3:52:53
